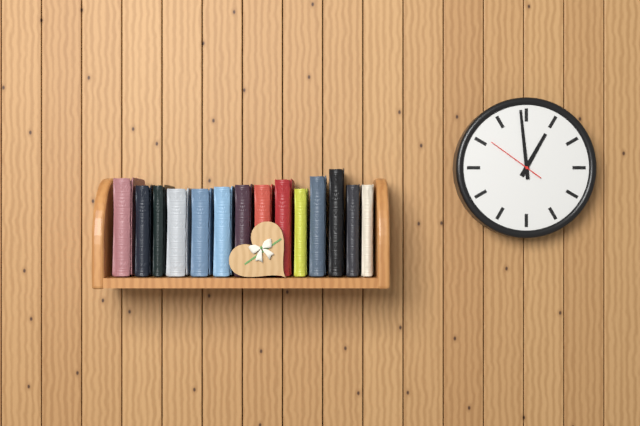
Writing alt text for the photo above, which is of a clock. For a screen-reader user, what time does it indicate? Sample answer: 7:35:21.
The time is 12:59:51
